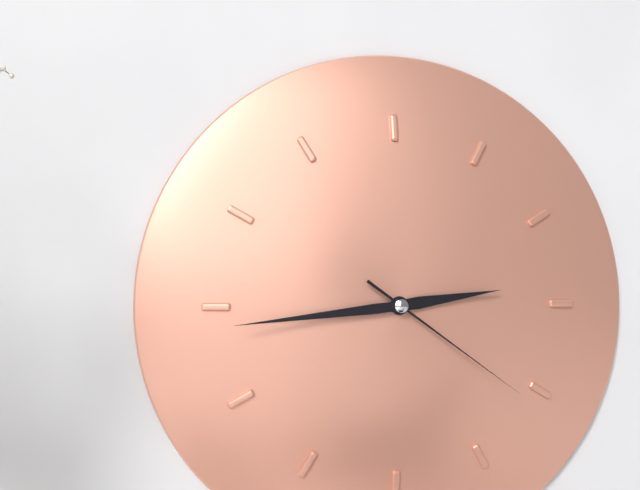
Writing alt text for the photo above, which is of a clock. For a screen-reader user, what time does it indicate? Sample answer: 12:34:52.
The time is 2:44:21
